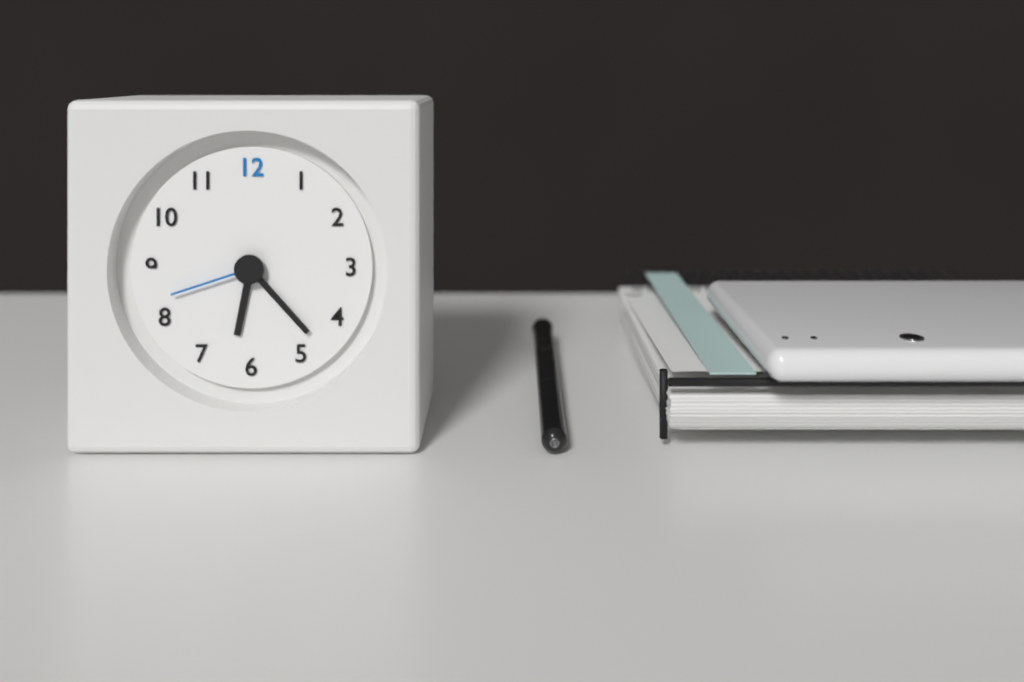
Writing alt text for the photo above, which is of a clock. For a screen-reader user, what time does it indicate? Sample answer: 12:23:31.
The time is 6:23:42
